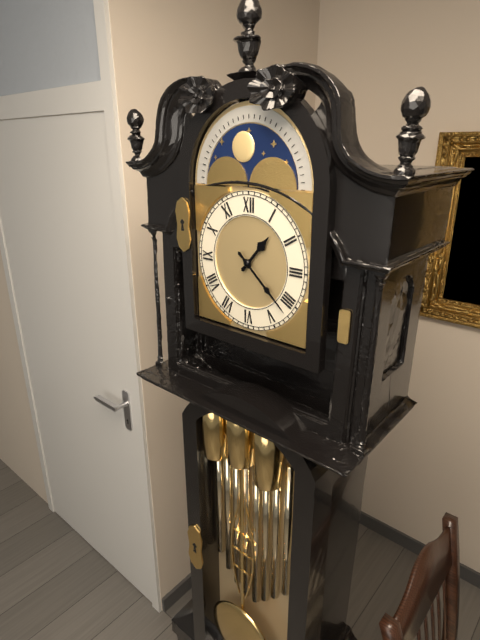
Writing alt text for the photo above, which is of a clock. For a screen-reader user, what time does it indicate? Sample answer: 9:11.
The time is 1:22
